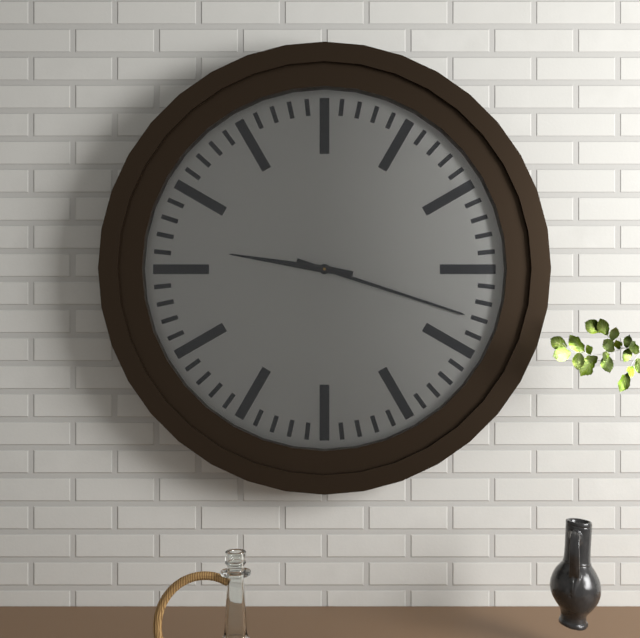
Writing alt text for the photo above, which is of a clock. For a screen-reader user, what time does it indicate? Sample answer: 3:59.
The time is 9:18
